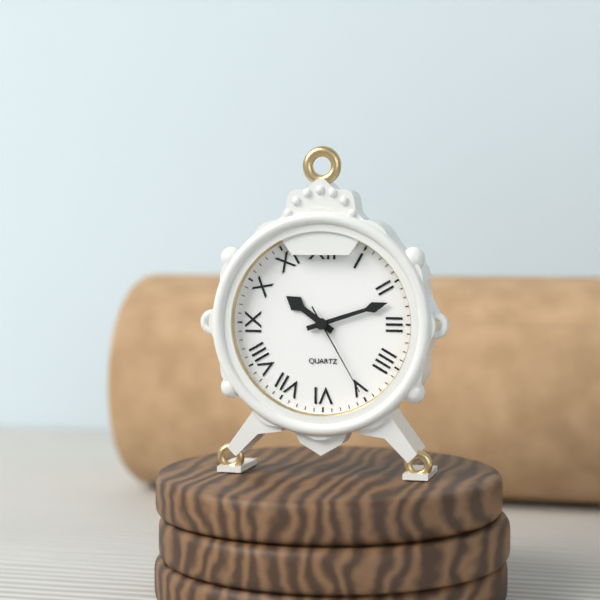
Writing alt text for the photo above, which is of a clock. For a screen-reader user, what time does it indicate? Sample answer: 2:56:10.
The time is 10:12:25
